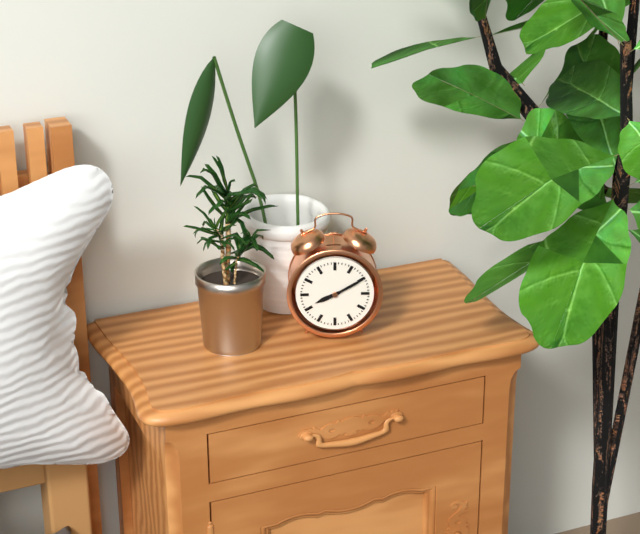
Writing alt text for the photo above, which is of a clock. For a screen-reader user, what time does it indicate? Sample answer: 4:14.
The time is 8:10
